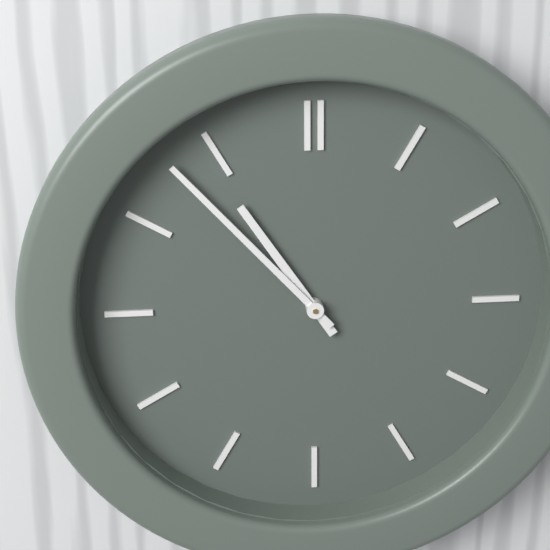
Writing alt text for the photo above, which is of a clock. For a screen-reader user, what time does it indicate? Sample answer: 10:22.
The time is 10:53
